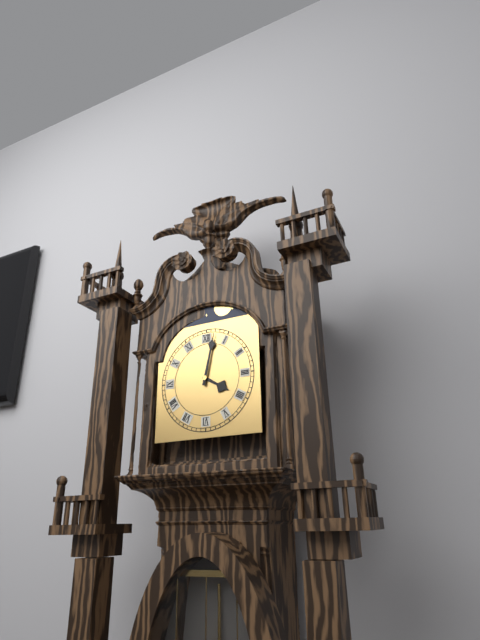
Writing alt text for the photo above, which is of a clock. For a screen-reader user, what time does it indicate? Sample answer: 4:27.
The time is 4:02
